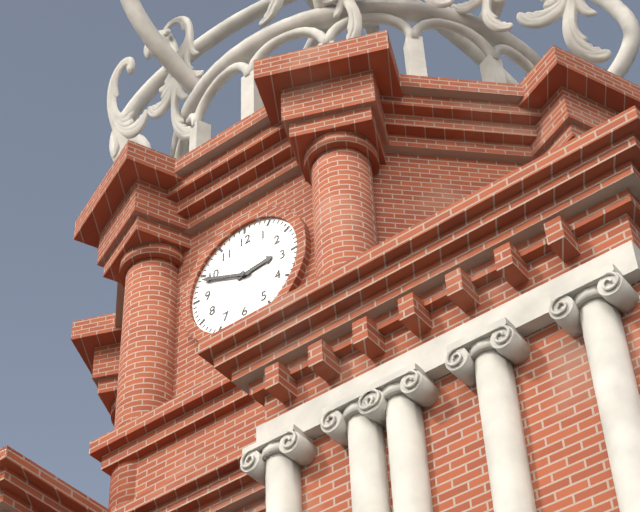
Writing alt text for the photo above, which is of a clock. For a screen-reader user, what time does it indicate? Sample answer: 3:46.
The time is 2:49
